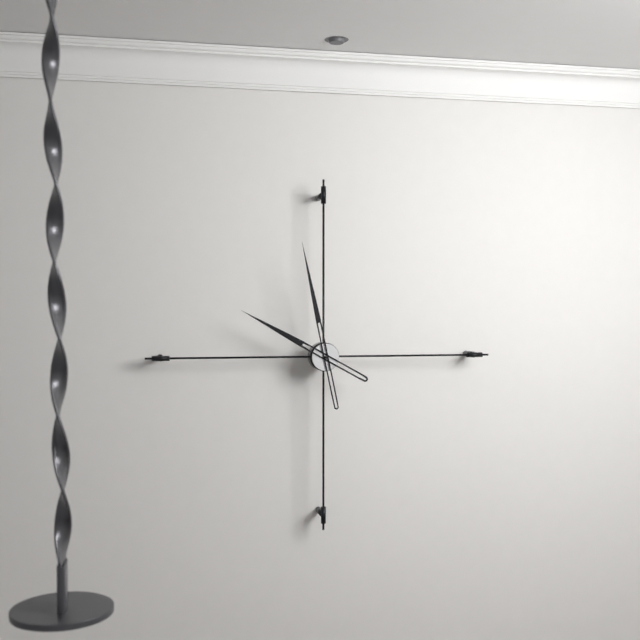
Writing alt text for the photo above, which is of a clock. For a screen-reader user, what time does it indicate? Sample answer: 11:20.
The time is 9:58
